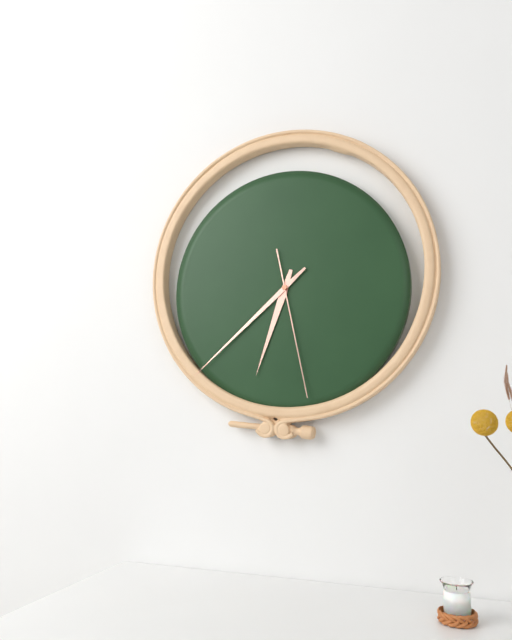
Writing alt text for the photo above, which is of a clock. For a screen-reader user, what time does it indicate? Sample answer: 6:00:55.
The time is 6:38:28
